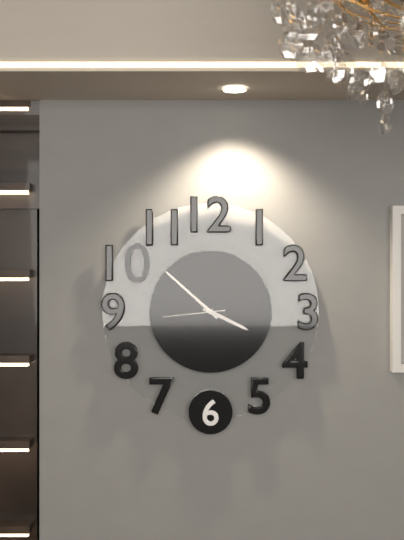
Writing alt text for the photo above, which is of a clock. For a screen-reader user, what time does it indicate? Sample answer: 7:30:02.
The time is 3:52:44
